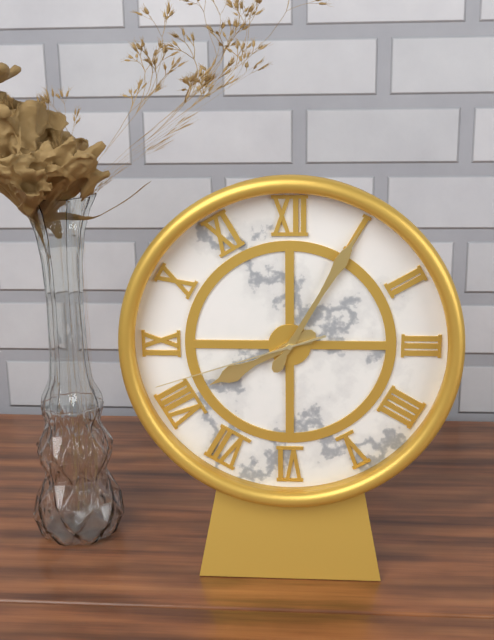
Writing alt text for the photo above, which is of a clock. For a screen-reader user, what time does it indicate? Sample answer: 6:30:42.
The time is 8:05:42
